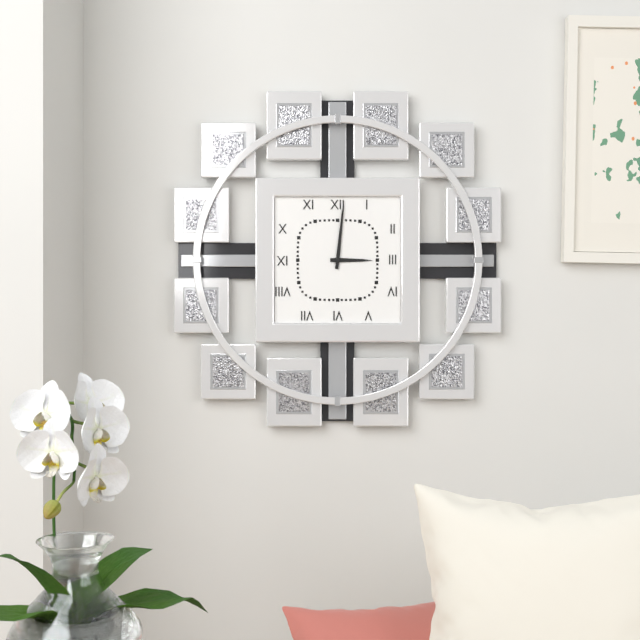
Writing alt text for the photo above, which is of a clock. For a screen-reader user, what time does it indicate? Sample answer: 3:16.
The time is 3:01
